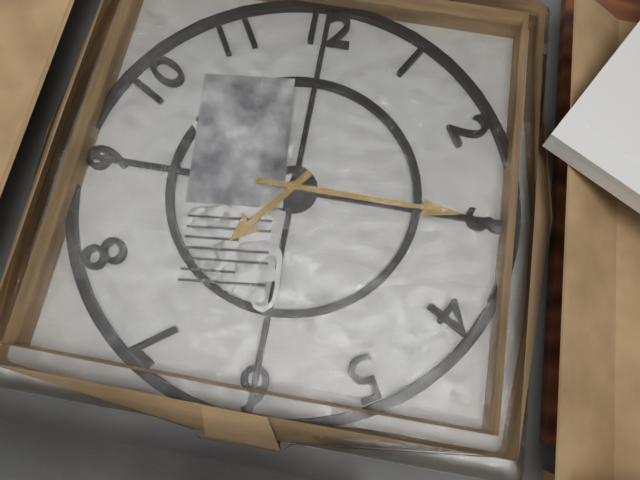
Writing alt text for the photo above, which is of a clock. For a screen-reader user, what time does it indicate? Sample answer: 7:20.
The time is 7:15
